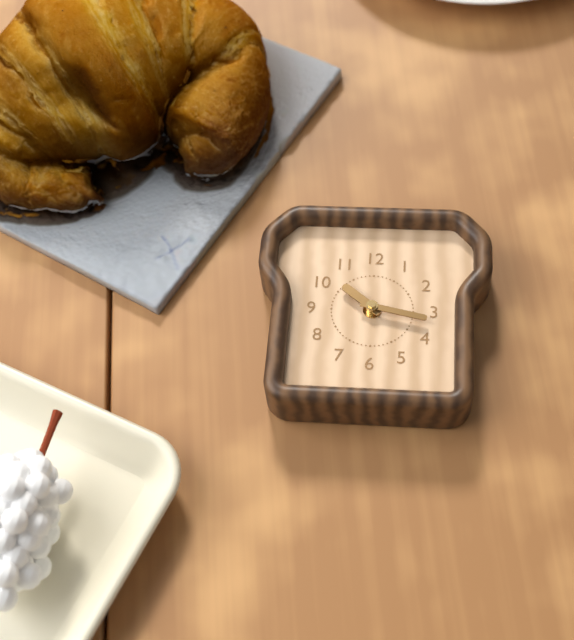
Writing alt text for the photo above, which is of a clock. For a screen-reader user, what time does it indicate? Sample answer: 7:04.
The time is 10:17
